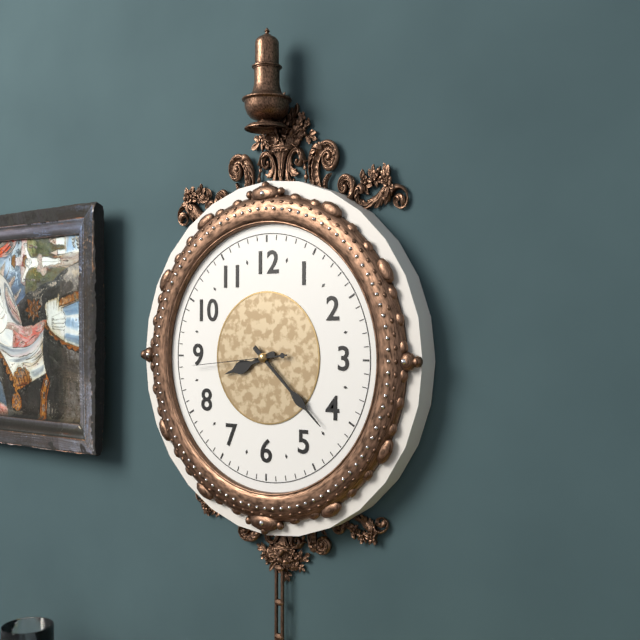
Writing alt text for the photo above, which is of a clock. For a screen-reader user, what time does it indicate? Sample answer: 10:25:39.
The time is 8:22:44
